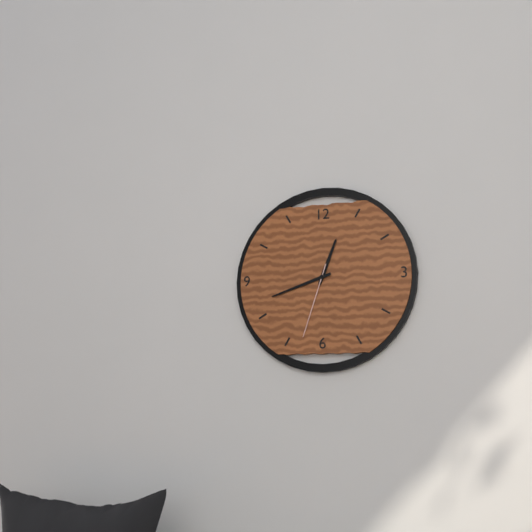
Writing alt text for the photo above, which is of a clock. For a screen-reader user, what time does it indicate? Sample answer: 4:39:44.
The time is 12:42:33
